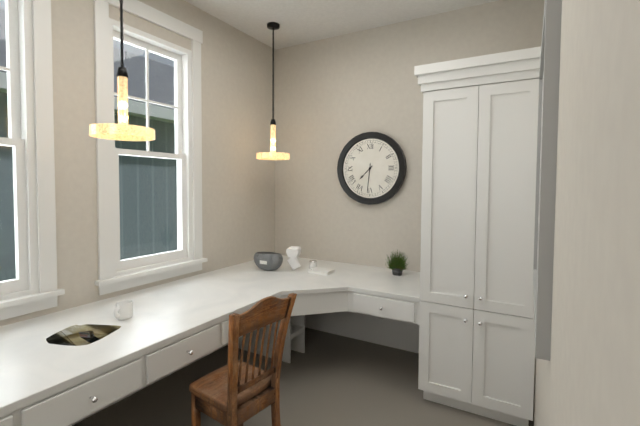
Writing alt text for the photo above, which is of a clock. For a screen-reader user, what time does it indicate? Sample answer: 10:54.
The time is 7:31
